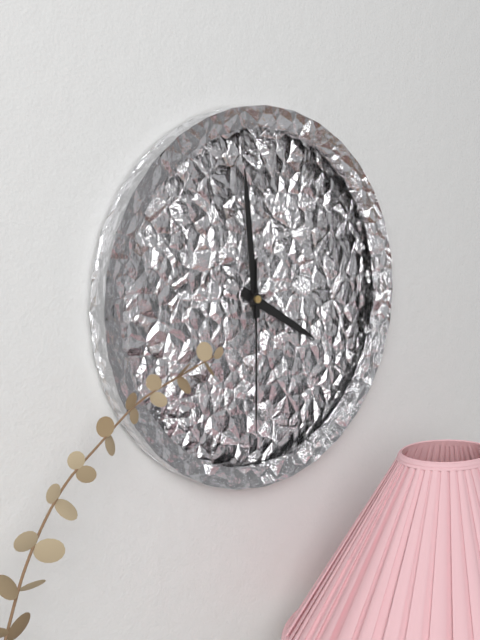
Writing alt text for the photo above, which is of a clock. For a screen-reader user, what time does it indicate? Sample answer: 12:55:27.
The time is 3:59:30
